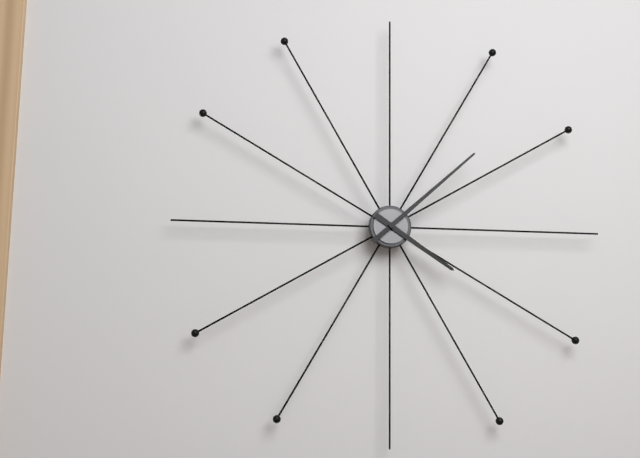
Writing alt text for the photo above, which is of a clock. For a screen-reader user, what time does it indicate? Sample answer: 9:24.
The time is 4:08
